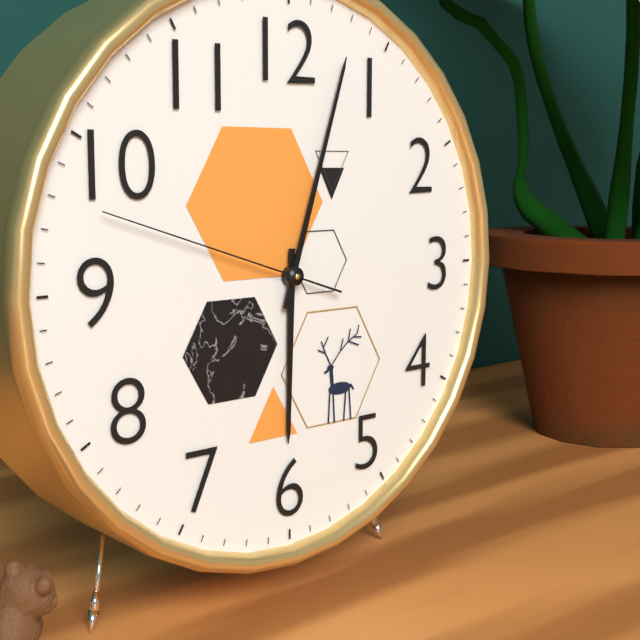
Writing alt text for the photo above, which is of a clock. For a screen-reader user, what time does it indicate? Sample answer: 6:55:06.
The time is 6:03:48
